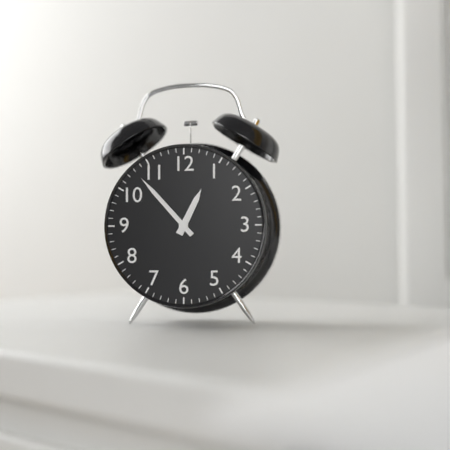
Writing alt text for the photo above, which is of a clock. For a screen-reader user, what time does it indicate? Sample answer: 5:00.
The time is 12:53
